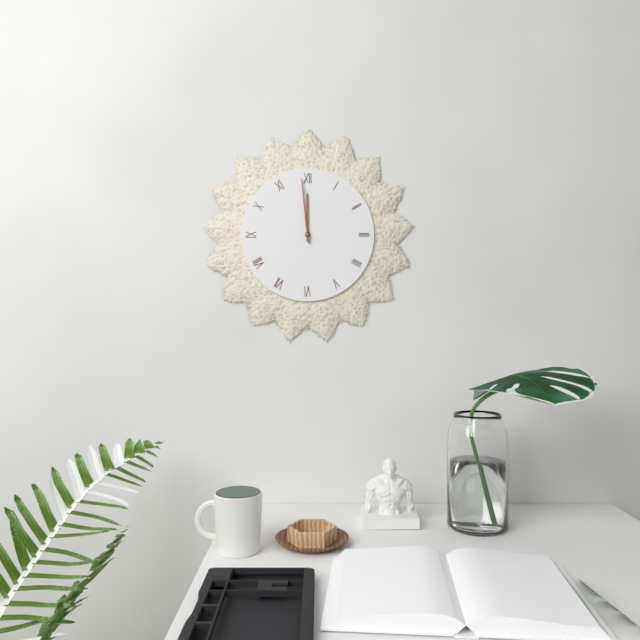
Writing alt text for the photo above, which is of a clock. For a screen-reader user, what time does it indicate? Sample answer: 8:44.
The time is 11:59
